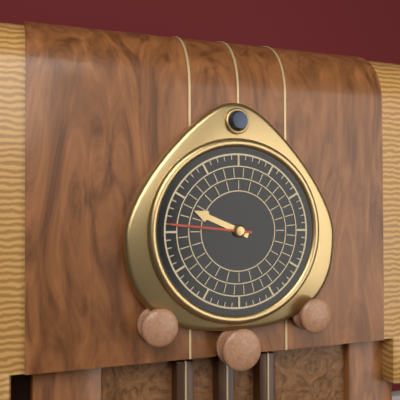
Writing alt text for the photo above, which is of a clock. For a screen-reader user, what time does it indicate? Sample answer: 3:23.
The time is 9:46
